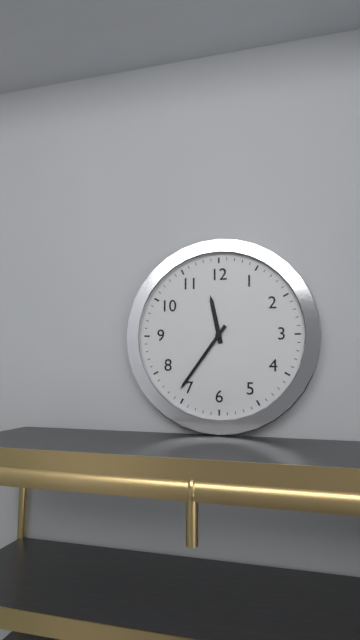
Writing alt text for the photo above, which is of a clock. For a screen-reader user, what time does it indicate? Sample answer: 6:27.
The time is 11:36
